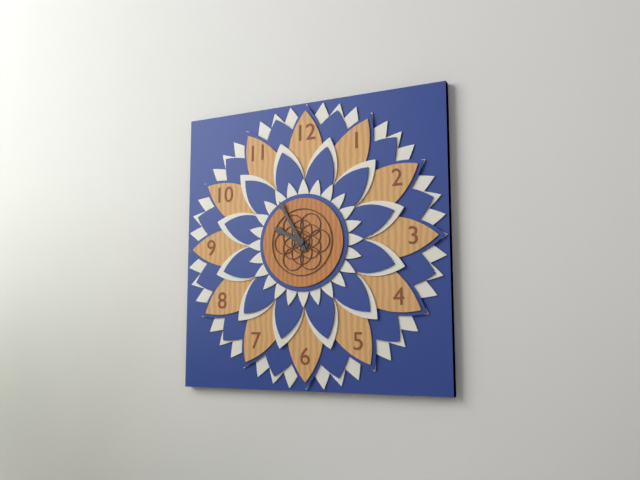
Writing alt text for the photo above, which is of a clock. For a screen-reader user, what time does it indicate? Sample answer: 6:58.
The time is 9:55
